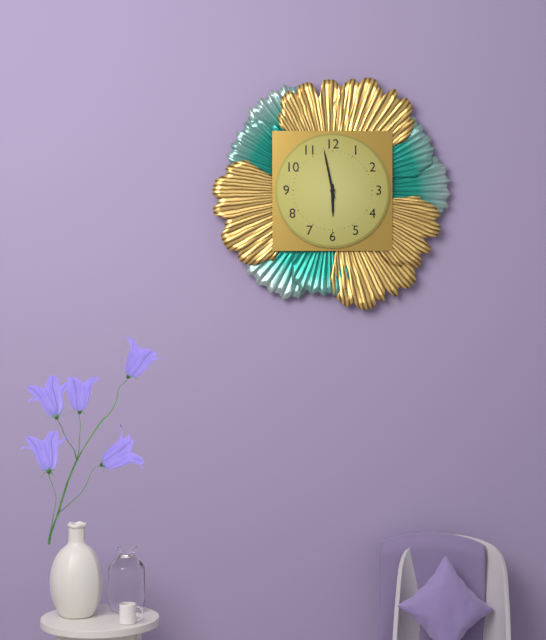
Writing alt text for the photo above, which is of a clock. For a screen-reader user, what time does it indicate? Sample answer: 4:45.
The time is 5:58
